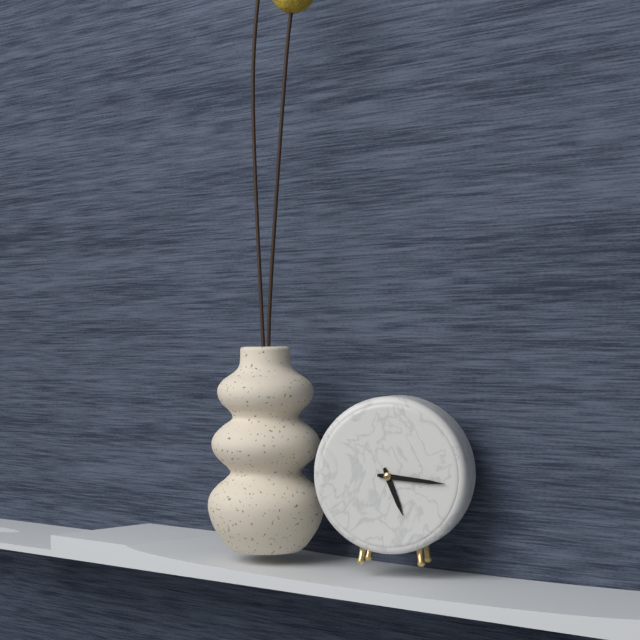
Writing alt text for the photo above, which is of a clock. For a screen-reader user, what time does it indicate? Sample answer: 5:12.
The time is 5:16
